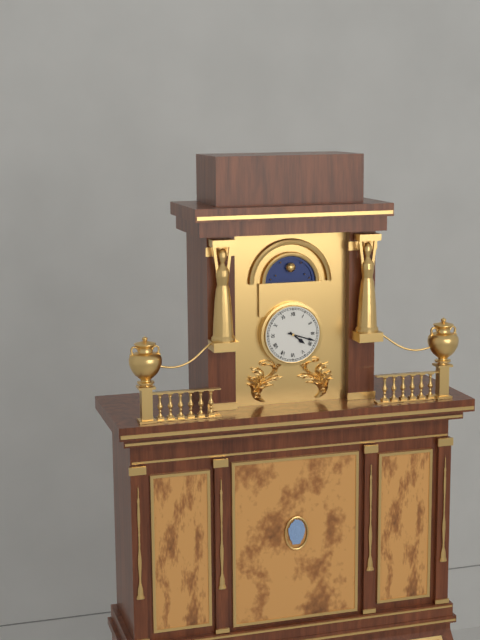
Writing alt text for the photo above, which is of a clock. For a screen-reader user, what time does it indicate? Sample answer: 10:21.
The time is 4:18
